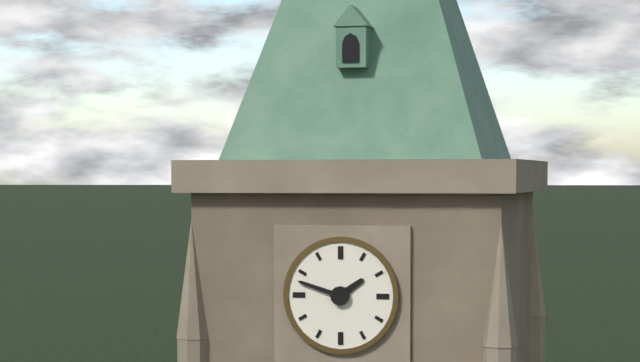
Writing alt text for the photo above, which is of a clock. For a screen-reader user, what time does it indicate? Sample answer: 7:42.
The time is 1:48
